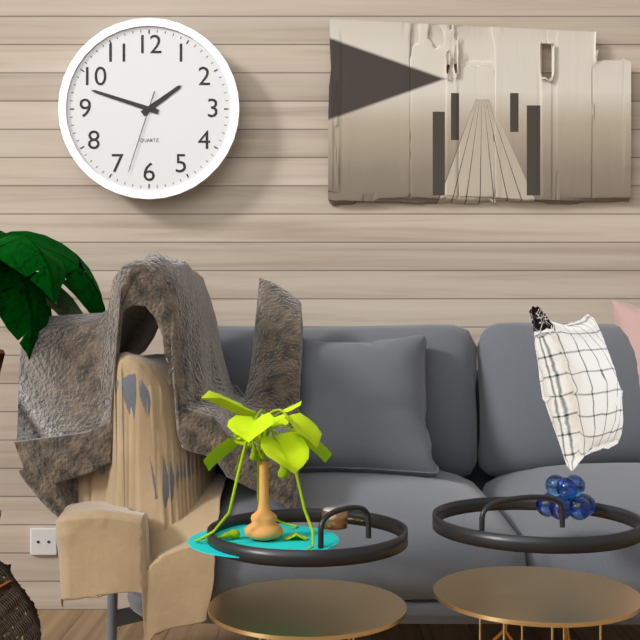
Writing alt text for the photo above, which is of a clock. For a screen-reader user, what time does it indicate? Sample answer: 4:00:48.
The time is 1:48:33
